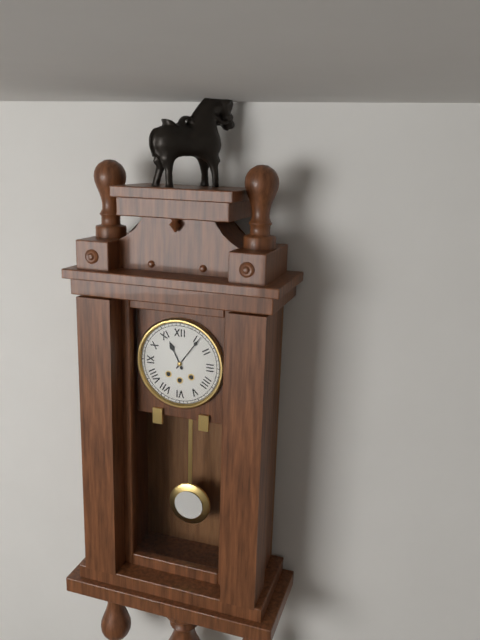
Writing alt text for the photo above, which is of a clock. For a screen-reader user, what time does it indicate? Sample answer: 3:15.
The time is 11:06
